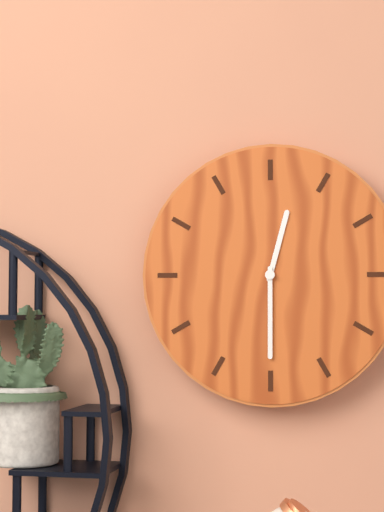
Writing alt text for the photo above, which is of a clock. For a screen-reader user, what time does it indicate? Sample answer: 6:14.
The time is 12:30
